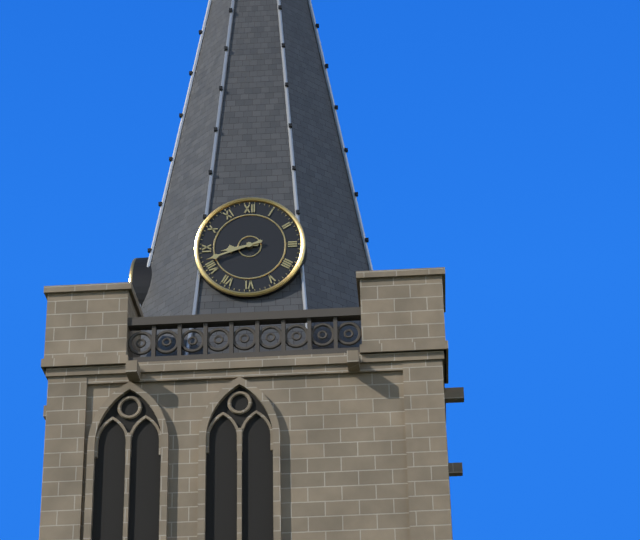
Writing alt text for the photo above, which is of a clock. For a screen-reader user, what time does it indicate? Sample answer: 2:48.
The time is 8:42
